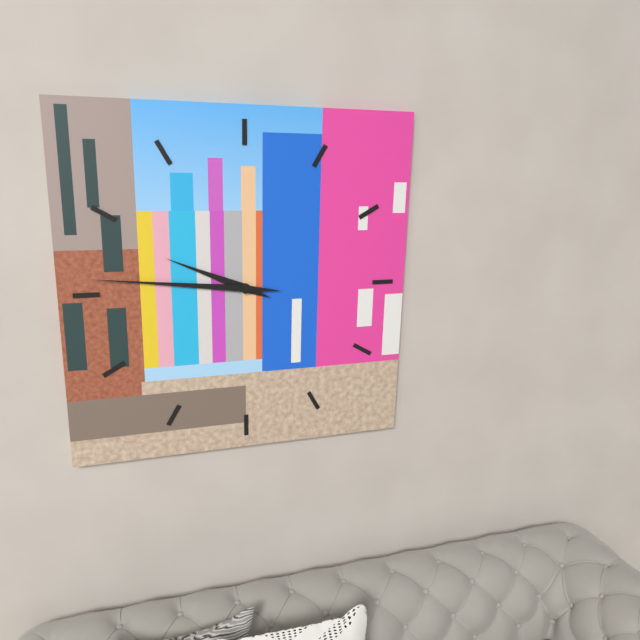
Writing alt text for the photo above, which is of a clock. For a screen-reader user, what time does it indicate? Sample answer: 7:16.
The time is 9:46
